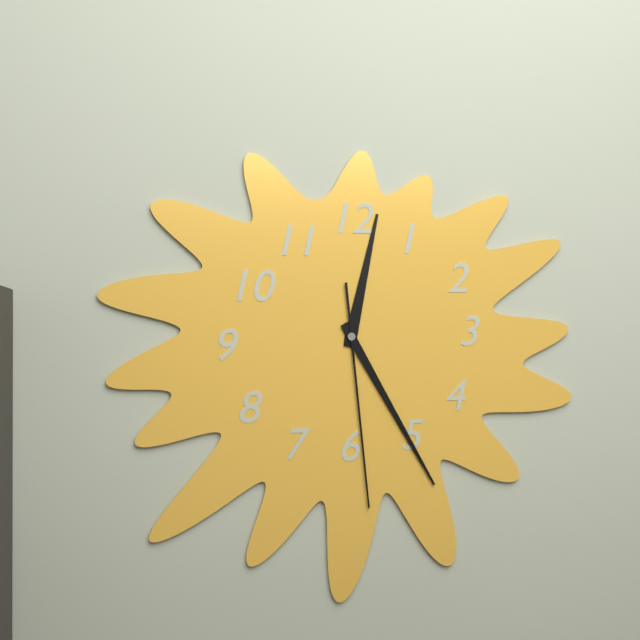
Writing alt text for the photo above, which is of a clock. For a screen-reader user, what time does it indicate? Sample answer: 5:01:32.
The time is 12:25:29
